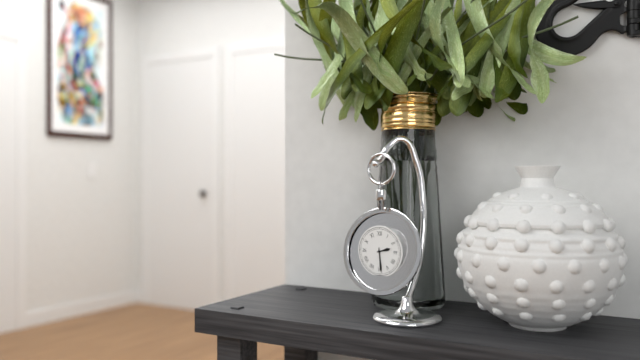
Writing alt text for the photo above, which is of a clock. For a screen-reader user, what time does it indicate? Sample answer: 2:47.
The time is 2:29
